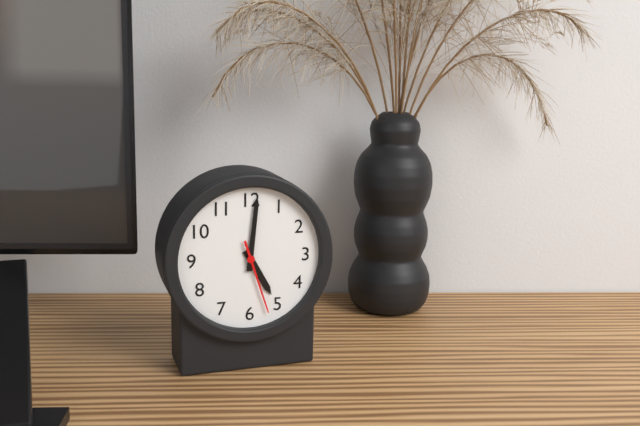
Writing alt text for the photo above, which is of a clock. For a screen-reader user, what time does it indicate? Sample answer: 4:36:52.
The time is 5:01:27
